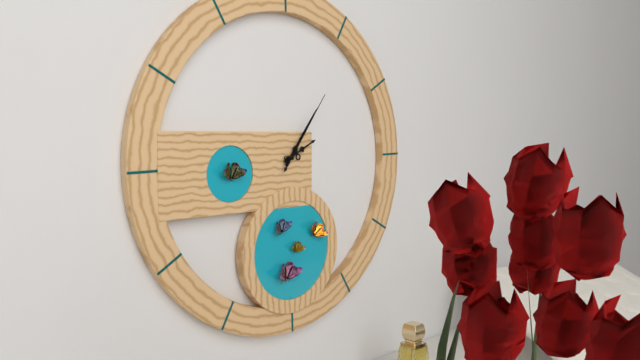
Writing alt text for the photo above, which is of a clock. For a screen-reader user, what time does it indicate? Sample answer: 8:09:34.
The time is 2:06:06
